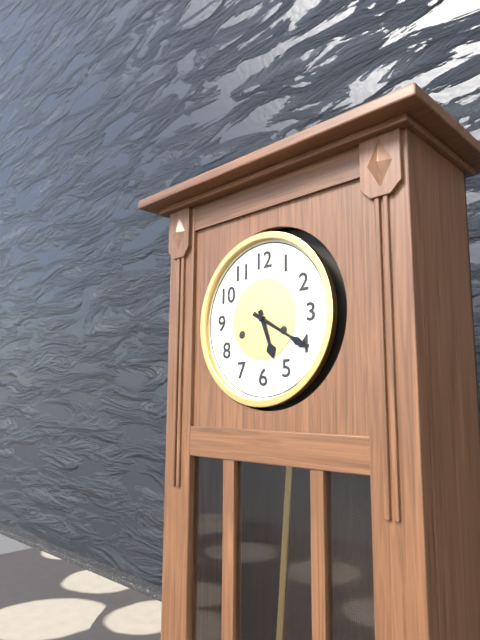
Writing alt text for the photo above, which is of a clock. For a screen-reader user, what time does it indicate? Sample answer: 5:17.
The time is 5:20
